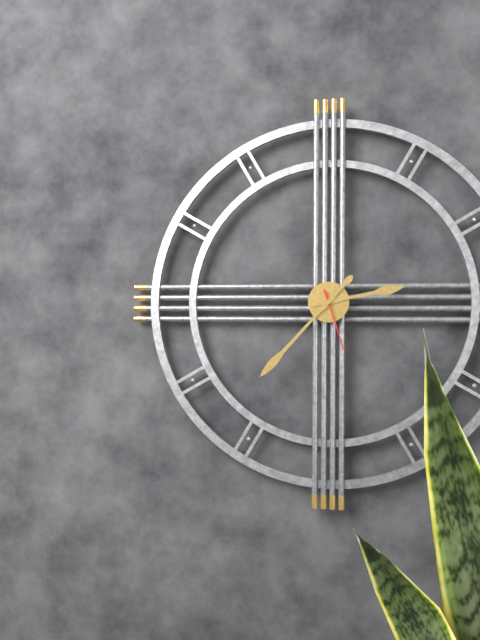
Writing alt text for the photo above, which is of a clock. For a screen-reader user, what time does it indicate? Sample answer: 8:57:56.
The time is 2:37:27
